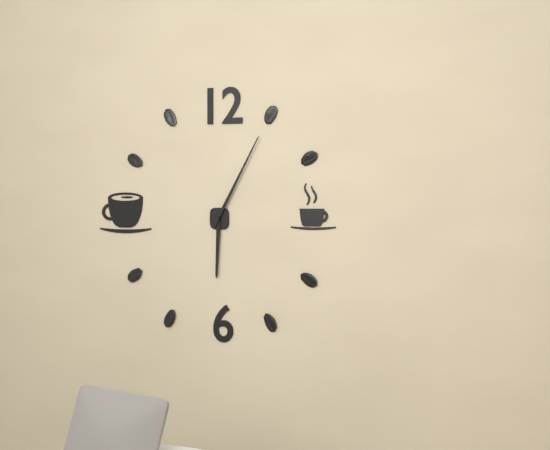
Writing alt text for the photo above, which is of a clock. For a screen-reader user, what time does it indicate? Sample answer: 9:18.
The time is 6:05
